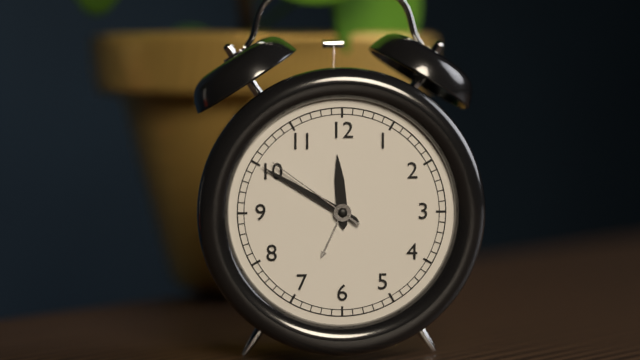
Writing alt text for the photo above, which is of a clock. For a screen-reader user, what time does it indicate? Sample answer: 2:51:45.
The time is 11:50:51
